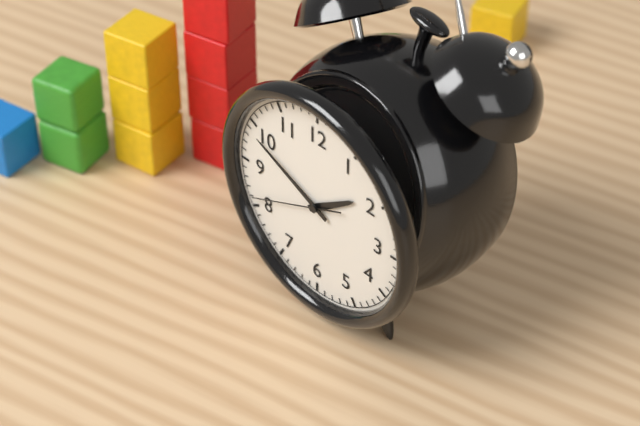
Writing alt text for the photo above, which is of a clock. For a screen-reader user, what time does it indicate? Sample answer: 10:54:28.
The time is 1:49:41
